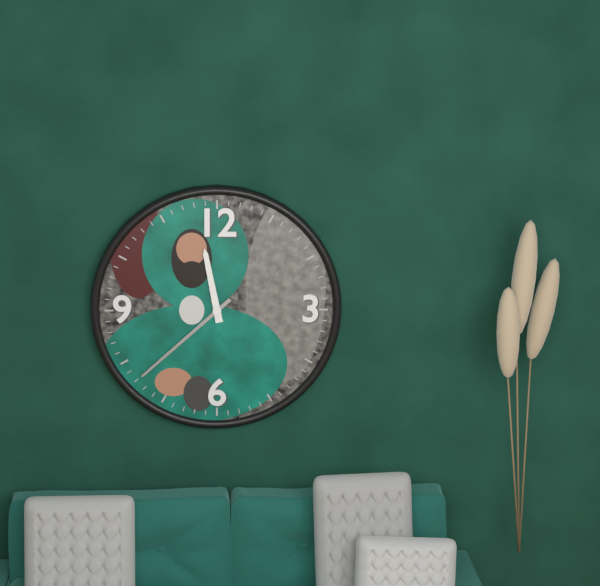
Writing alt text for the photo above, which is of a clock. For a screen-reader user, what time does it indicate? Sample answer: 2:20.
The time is 11:38
